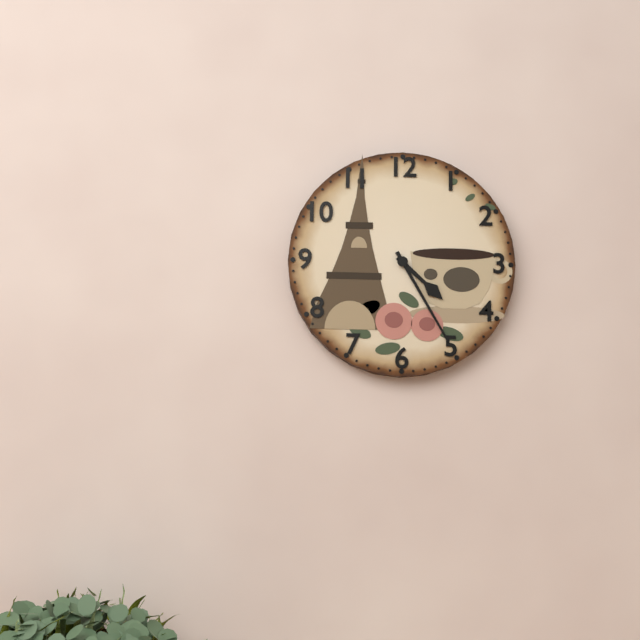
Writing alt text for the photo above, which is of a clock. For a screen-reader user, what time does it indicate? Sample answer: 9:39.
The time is 4:25
